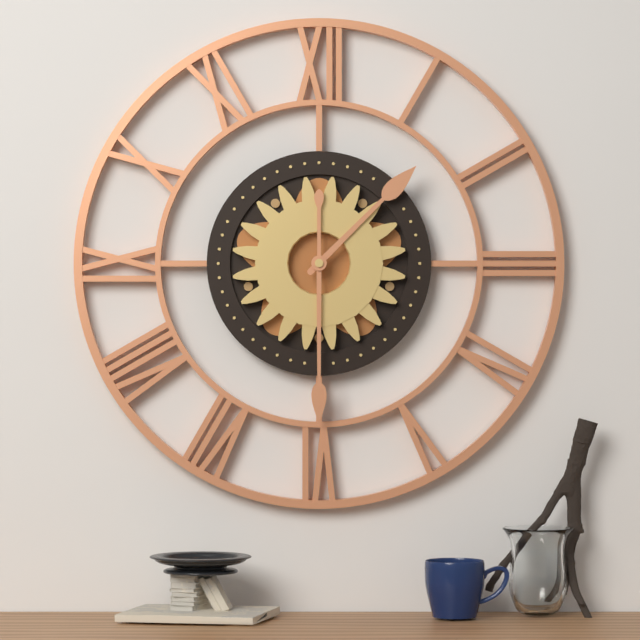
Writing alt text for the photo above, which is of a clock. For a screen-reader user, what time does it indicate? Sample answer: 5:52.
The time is 1:30
